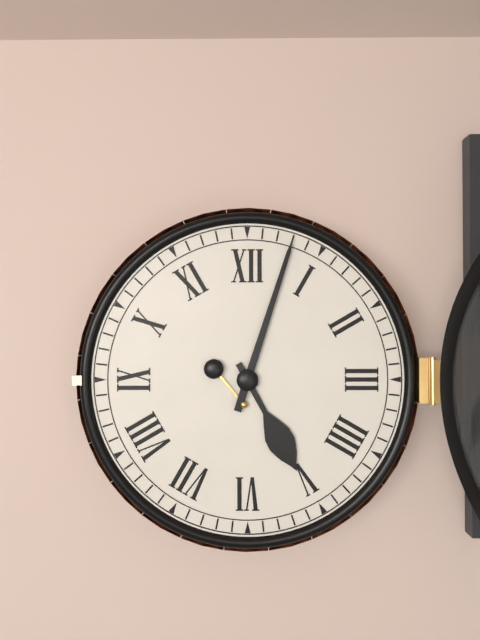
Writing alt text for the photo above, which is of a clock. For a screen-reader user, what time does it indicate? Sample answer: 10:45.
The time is 5:03
